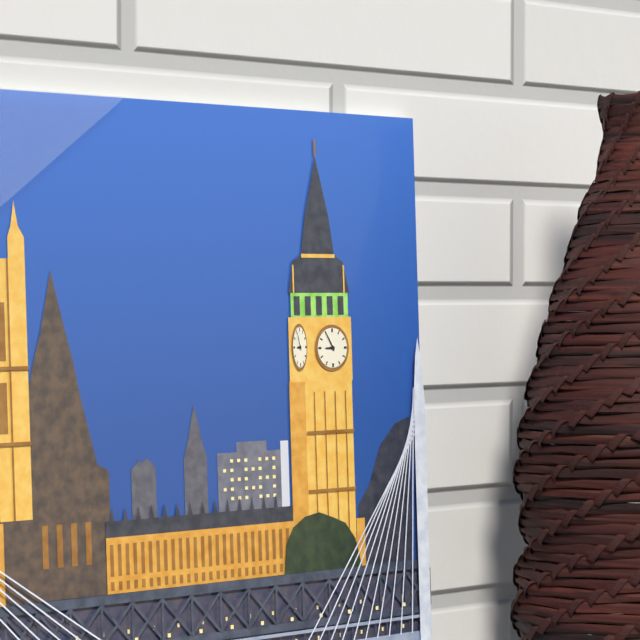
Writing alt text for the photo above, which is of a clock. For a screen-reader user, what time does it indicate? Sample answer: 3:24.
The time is 8:55
